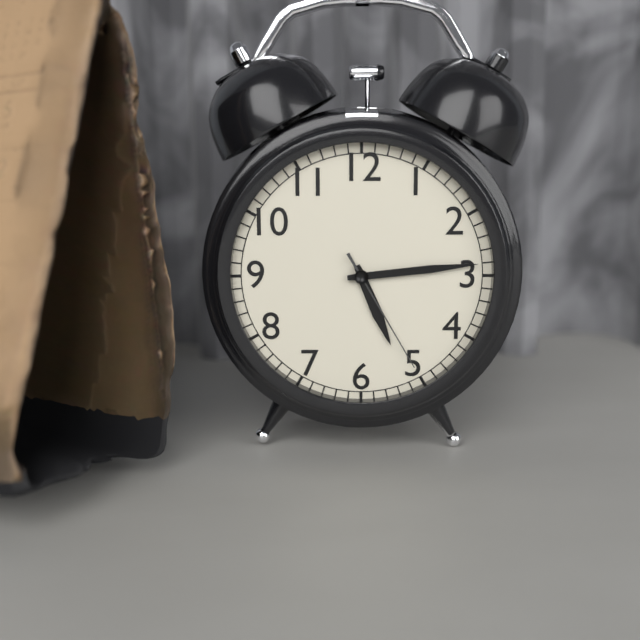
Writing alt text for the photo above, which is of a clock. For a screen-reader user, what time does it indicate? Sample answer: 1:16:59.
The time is 5:14:25
